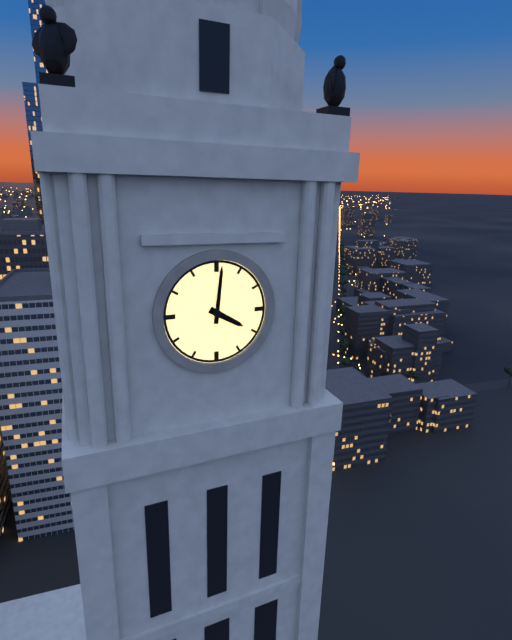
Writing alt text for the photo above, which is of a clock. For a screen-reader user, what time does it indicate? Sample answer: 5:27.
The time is 4:01
